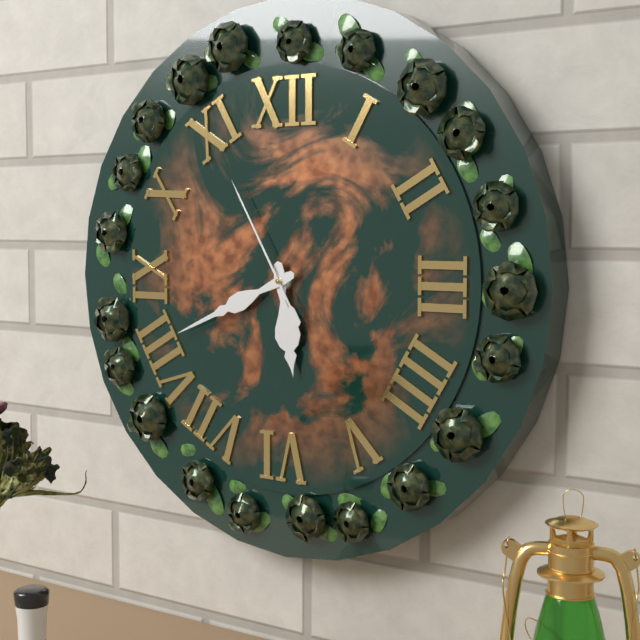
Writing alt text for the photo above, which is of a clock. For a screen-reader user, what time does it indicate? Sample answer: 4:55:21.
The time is 5:41:55
